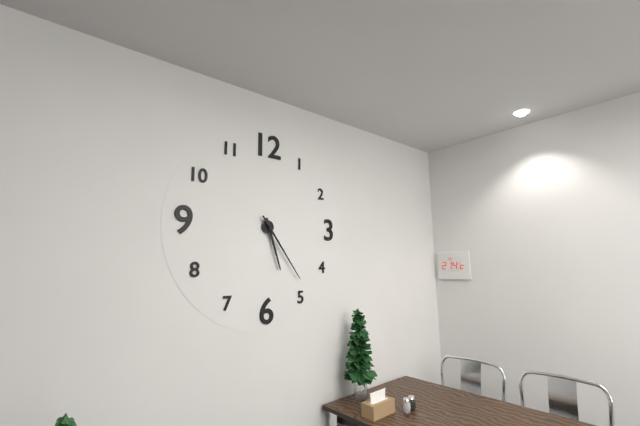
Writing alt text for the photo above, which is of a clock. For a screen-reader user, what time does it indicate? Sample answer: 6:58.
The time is 5:24
